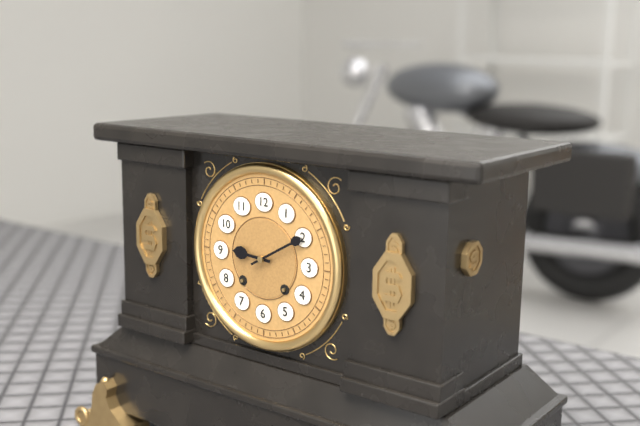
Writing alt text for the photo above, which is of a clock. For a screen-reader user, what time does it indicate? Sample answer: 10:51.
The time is 9:10
